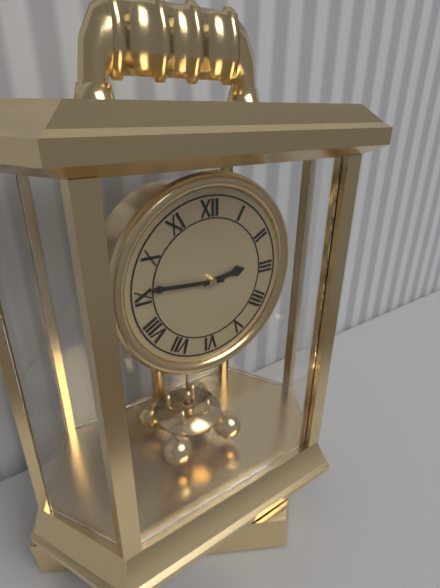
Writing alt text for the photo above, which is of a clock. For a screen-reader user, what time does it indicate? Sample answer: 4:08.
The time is 2:46
